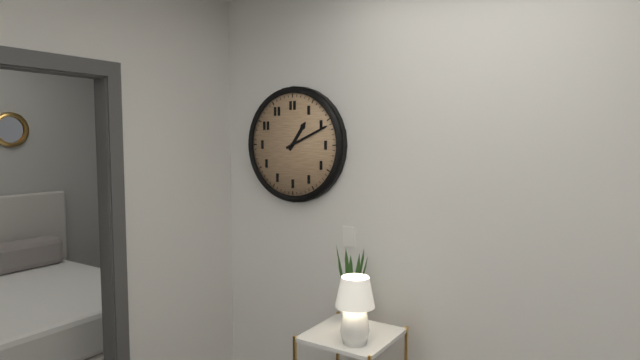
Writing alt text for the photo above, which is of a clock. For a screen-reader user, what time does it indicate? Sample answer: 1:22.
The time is 1:11
